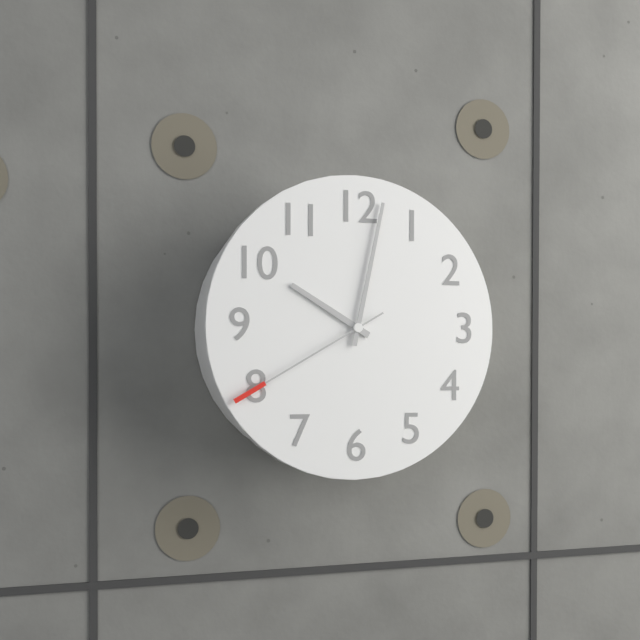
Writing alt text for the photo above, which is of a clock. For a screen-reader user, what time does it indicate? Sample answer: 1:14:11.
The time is 10:02:40
